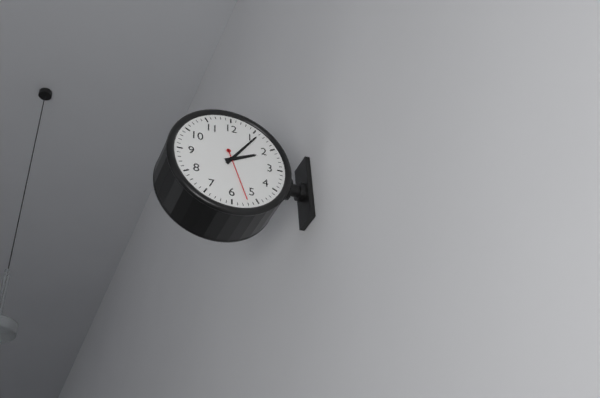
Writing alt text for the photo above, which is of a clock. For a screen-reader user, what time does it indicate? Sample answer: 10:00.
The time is 2:06
